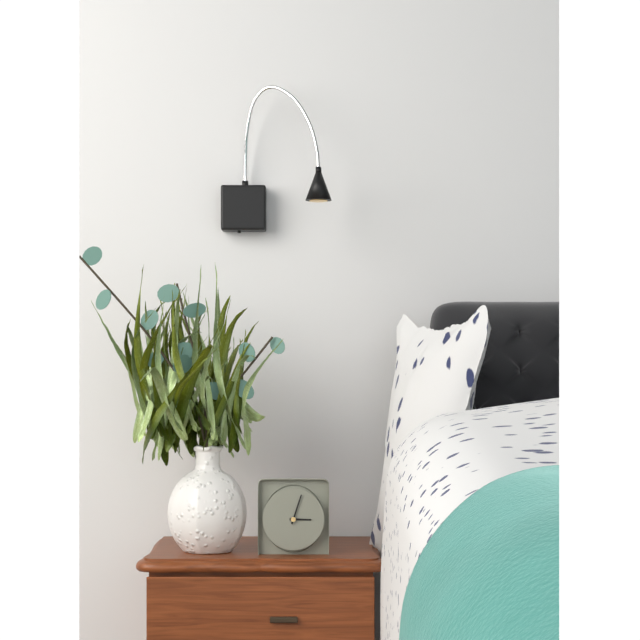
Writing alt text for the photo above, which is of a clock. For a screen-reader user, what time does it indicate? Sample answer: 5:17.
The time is 3:03
